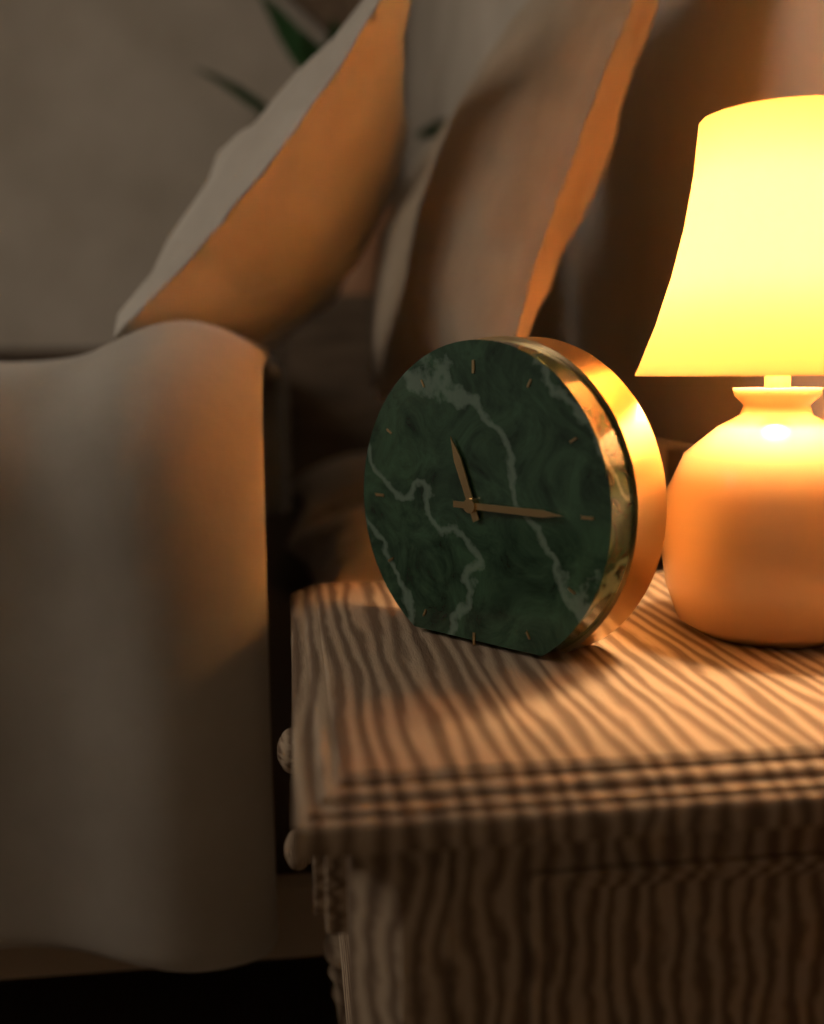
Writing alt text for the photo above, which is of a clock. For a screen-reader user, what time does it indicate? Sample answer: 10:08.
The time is 11:15
